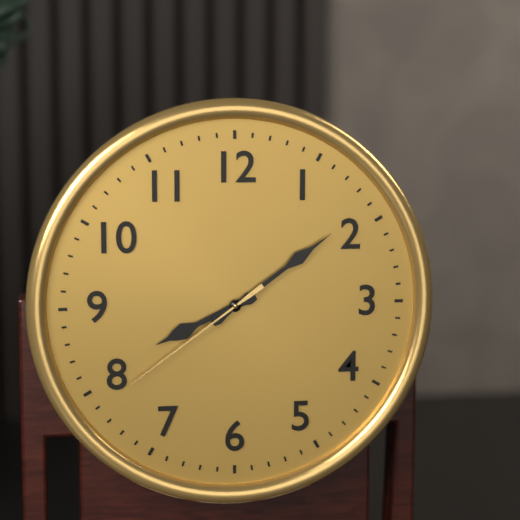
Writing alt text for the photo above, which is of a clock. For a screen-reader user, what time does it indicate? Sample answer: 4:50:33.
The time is 8:09:39
